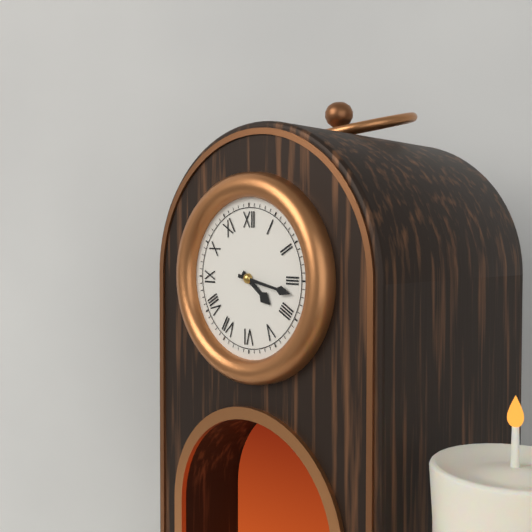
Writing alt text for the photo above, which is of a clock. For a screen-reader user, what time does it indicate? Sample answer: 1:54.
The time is 4:17
